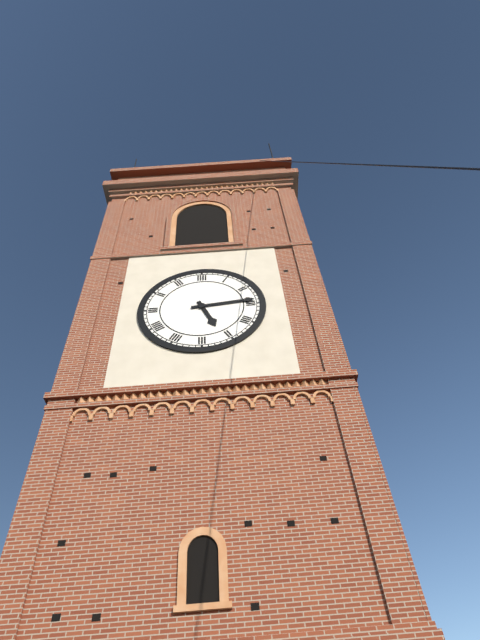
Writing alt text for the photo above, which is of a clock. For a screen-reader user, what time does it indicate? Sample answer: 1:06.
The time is 5:14
